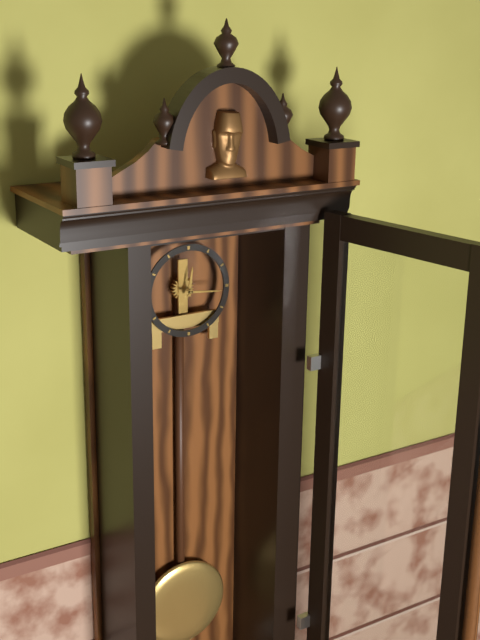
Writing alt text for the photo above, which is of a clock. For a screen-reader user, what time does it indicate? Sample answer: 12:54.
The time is 12:16
